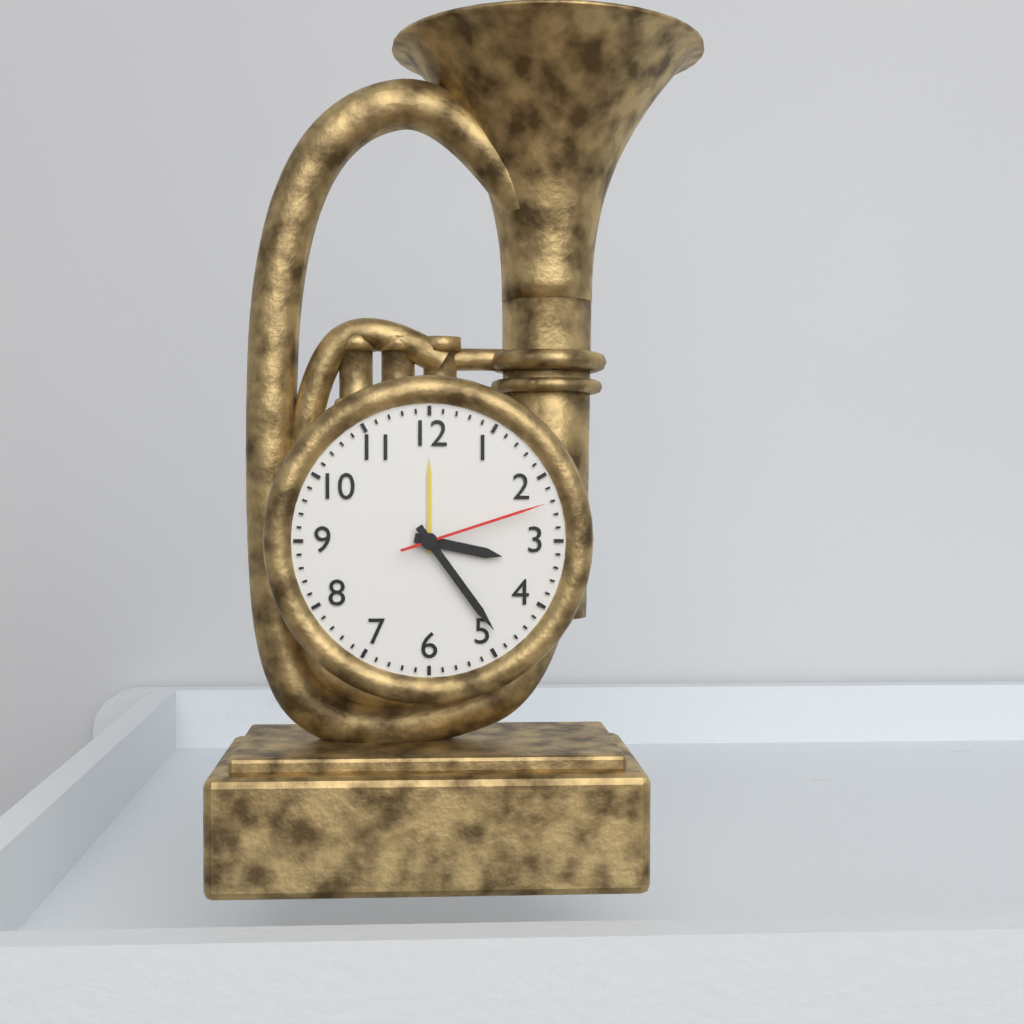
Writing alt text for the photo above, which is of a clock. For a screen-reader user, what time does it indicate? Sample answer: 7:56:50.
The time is 3:24:12
